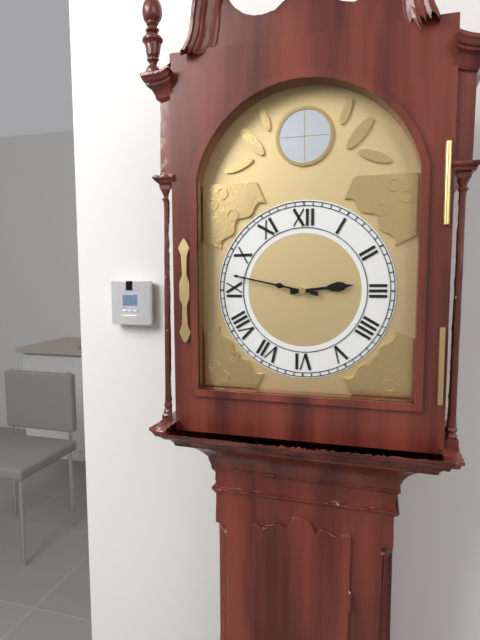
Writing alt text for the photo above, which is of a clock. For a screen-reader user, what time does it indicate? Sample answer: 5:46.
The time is 2:47
